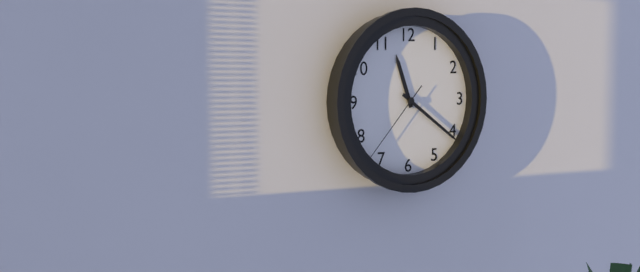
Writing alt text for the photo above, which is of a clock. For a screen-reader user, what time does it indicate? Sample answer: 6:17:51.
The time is 11:21:37
